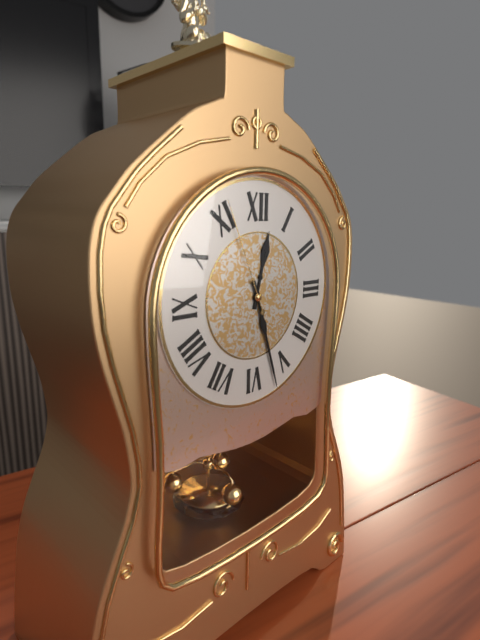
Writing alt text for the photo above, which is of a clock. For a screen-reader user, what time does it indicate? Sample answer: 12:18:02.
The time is 12:27:56
